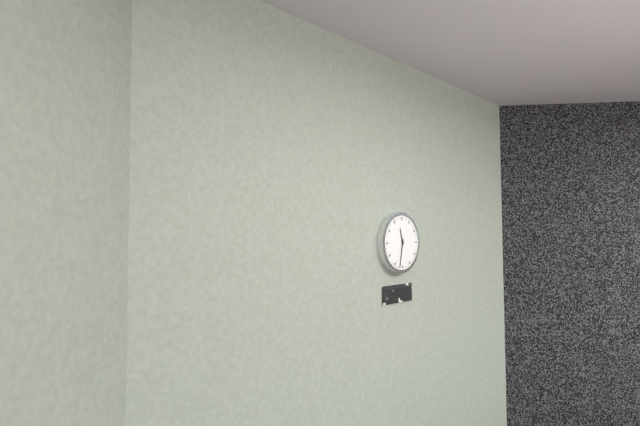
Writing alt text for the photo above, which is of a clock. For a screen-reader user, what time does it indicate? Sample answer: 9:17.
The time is 11:32
